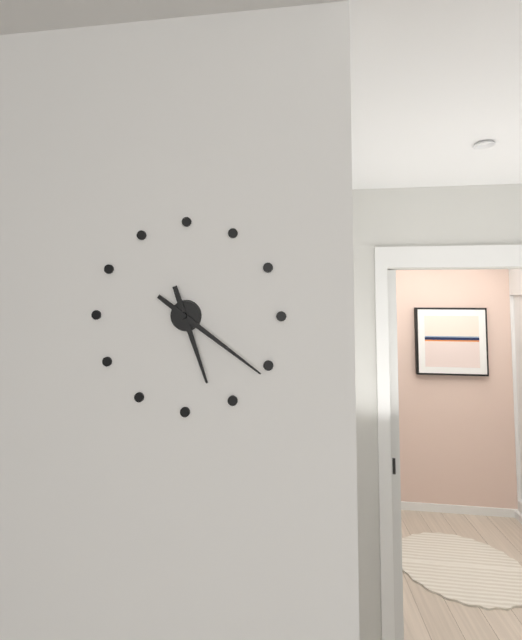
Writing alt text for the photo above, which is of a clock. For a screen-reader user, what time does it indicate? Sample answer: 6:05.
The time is 5:21
